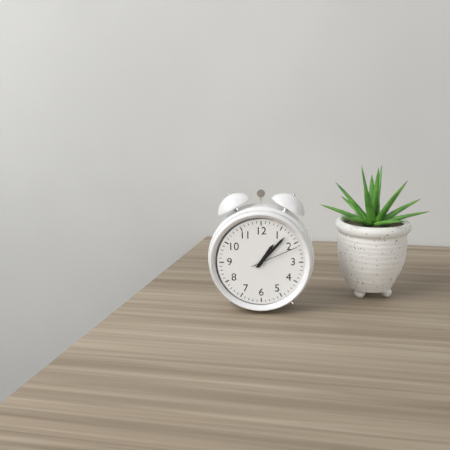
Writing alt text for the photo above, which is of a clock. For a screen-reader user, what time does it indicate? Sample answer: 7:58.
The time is 1:07
